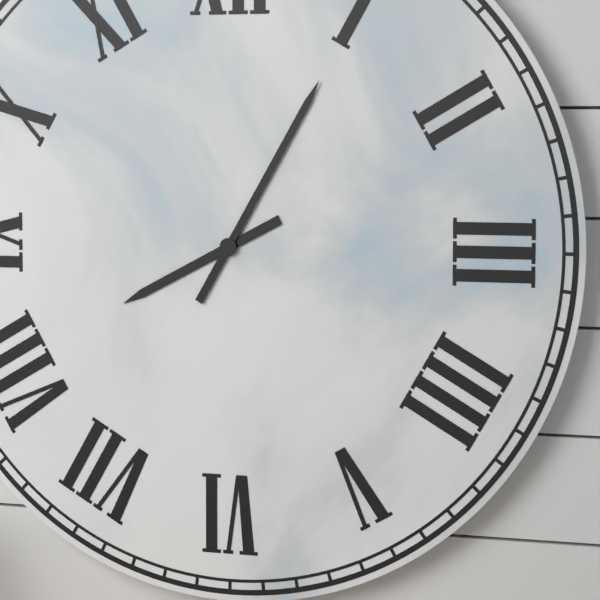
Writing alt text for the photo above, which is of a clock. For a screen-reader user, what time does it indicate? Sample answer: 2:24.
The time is 8:05
